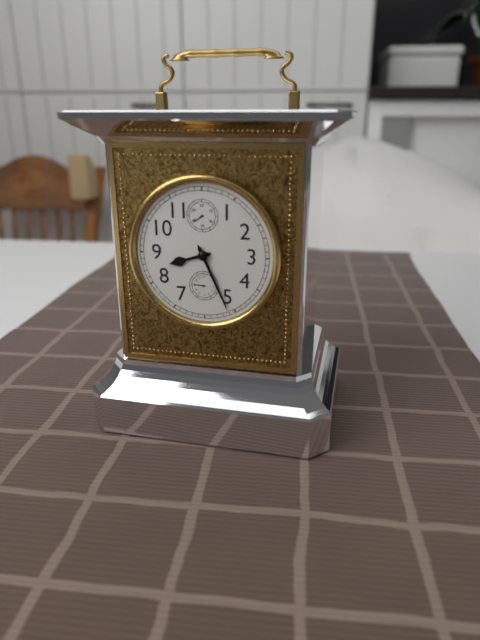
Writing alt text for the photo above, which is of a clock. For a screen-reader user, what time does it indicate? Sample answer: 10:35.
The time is 8:26
